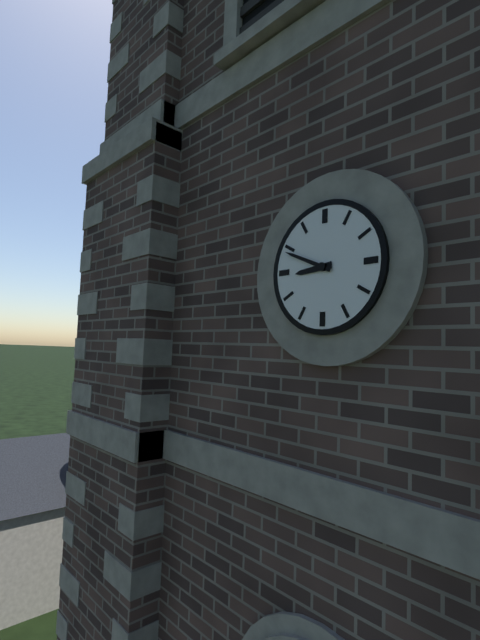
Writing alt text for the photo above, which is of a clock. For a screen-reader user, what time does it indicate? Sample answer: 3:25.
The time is 8:49
